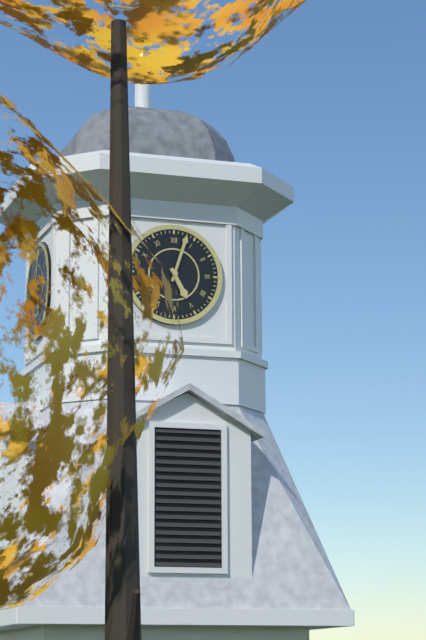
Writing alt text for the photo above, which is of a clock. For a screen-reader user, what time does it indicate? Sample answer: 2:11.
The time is 5:03
